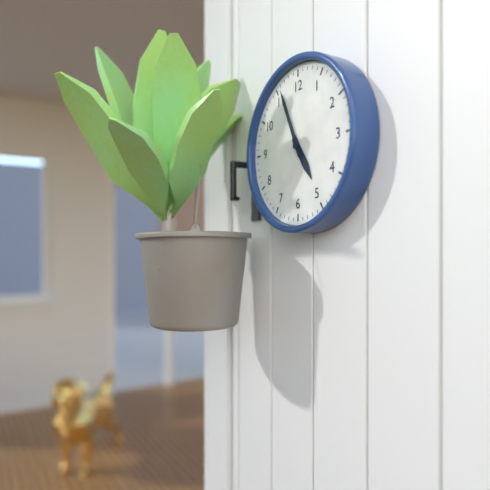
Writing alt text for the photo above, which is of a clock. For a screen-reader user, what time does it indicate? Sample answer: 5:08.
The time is 4:56
